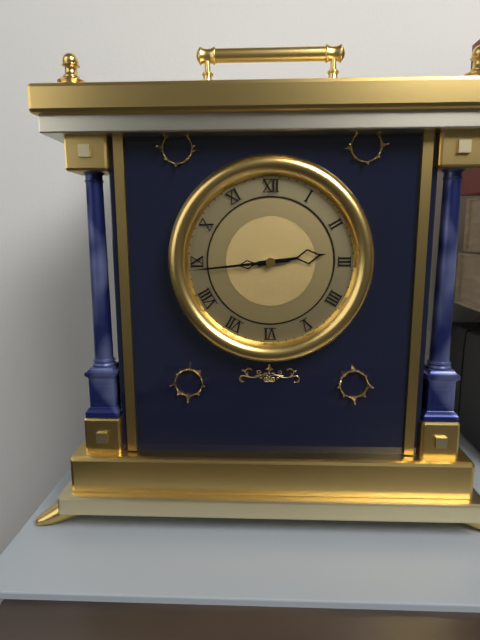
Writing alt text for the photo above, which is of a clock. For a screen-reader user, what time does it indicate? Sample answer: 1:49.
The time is 2:44
